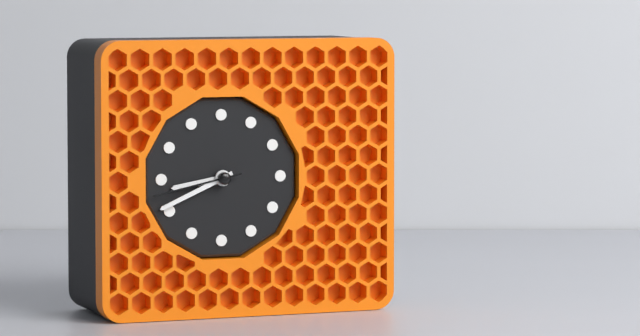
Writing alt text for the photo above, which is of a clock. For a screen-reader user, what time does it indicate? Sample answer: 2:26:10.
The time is 8:41:43
